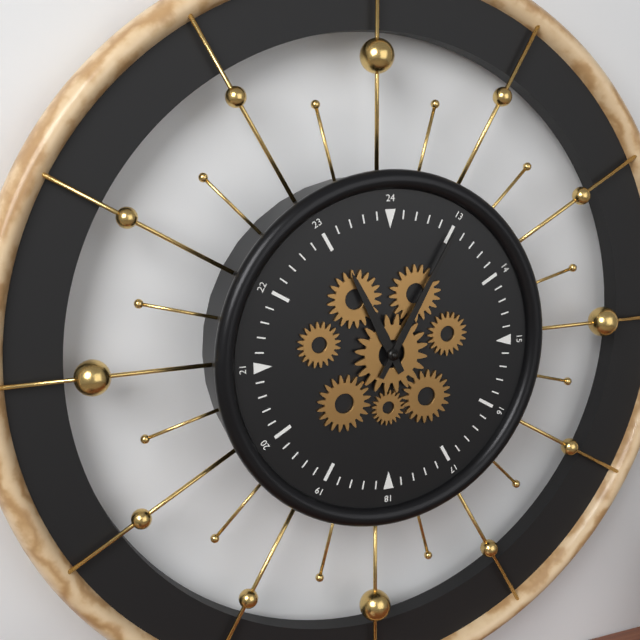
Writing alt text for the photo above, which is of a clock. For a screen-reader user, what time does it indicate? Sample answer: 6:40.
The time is 11:05
